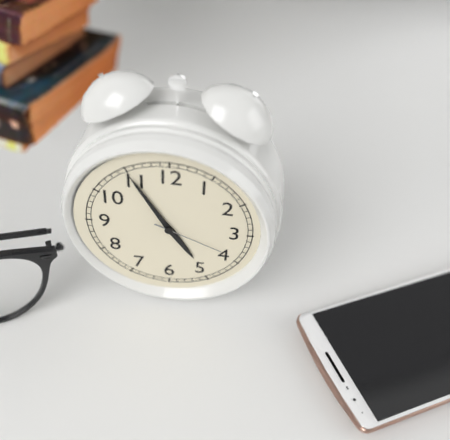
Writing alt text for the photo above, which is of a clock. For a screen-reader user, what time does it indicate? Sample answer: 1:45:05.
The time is 4:55:19
